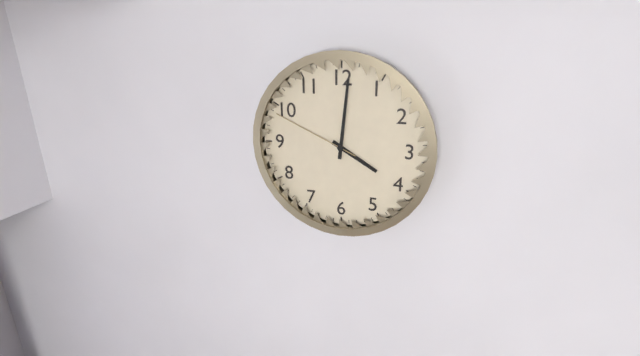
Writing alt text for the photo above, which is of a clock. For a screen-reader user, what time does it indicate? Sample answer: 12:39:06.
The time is 4:01:49
